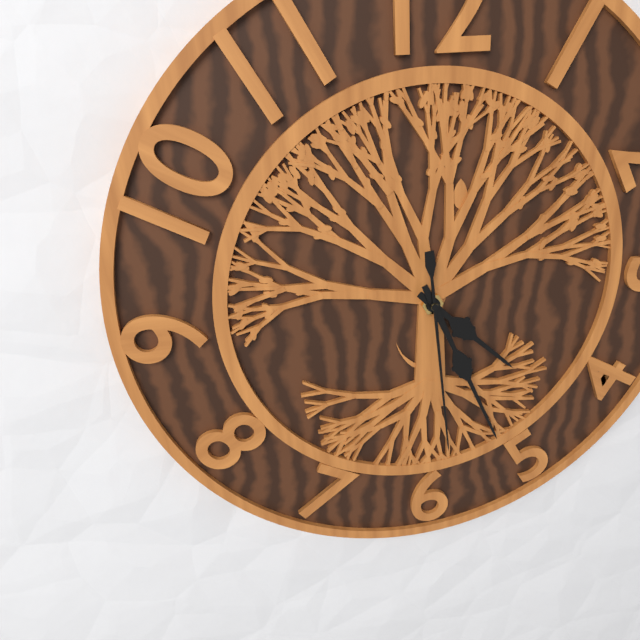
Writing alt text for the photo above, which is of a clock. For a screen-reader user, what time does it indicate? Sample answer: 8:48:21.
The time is 4:26:29
